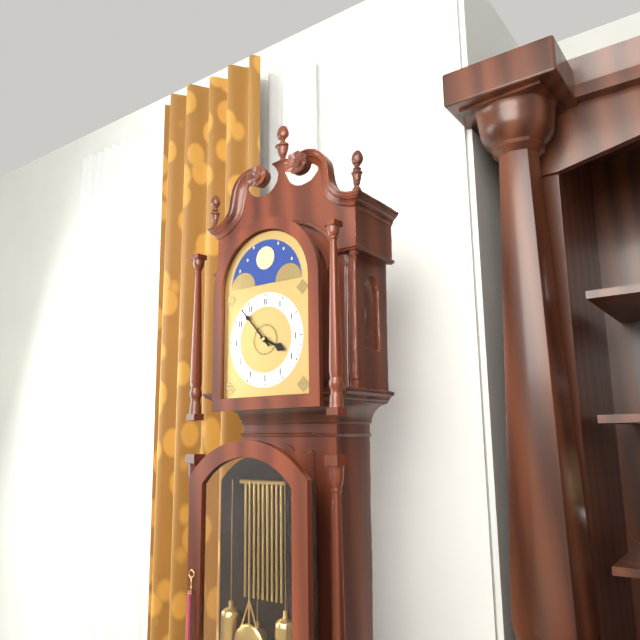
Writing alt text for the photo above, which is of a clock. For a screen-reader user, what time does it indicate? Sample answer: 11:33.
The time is 3:53
